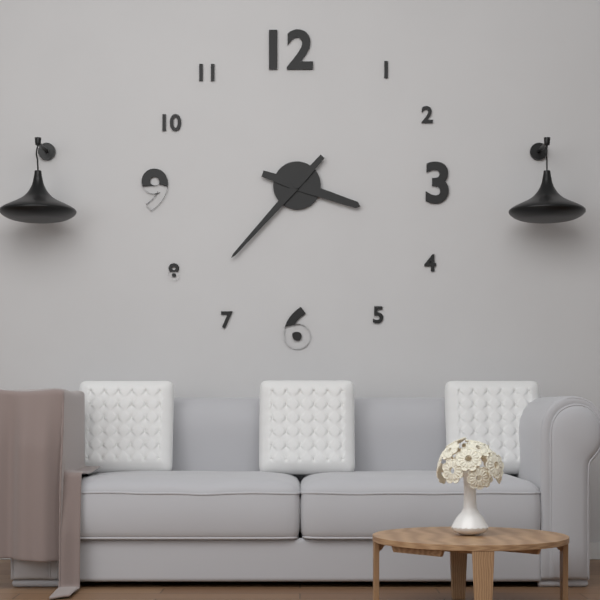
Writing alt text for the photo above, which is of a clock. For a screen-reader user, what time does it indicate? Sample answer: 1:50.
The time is 3:37
